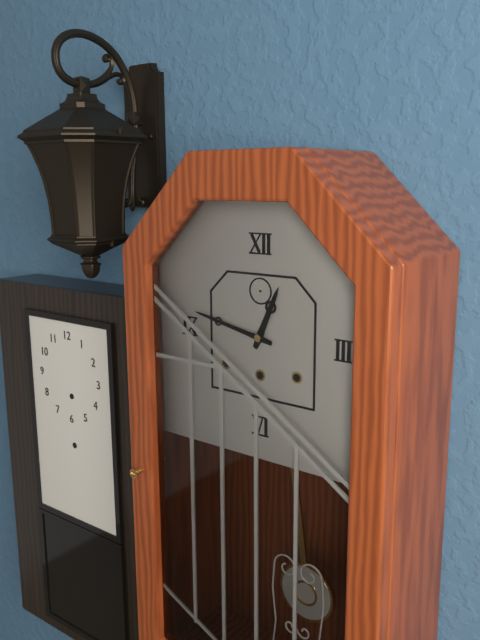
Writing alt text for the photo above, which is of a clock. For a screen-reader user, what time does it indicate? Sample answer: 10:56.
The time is 12:47
